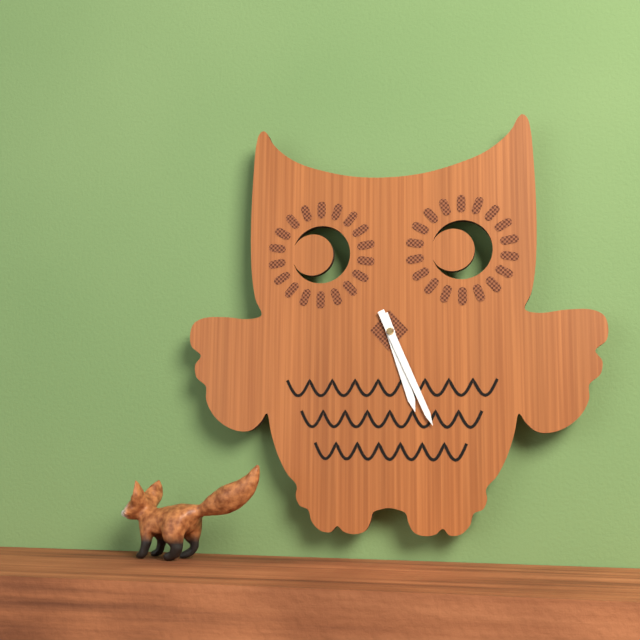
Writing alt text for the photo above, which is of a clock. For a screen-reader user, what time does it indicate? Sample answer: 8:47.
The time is 5:26
